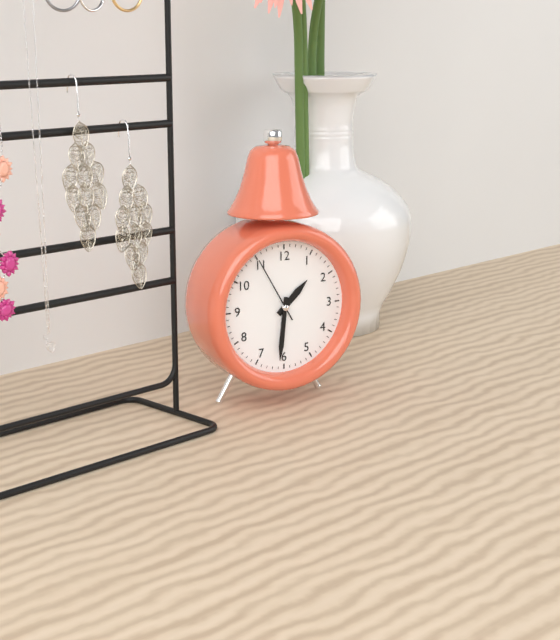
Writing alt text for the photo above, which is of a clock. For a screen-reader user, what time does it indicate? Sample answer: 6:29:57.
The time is 1:31:55
